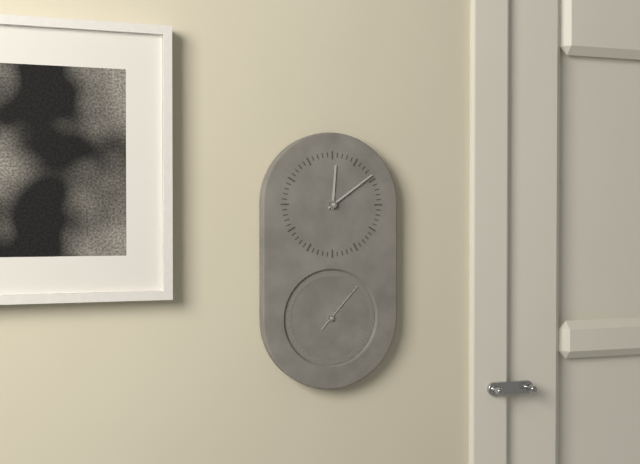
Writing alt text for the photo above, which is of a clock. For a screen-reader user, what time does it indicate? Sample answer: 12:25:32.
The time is 12:09:07
